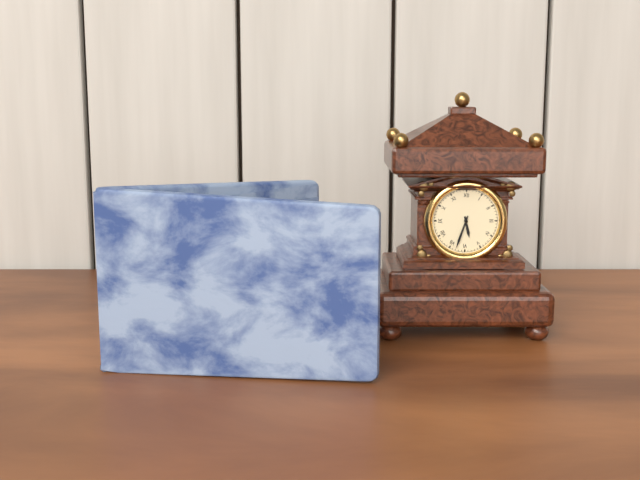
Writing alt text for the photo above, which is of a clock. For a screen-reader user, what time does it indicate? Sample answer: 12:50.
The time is 5:33
